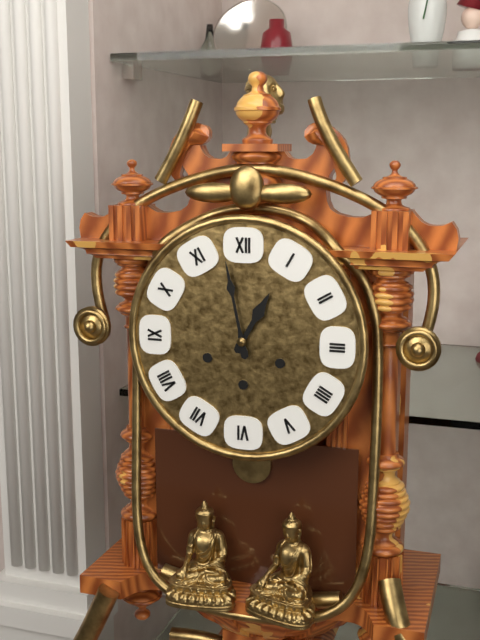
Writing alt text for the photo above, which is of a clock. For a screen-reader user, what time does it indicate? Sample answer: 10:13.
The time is 12:58
